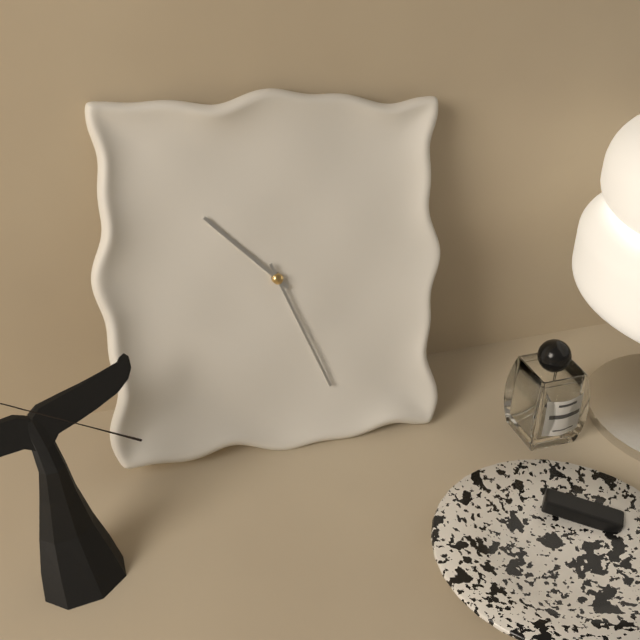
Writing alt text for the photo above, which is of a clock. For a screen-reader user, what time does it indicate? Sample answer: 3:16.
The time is 10:26
